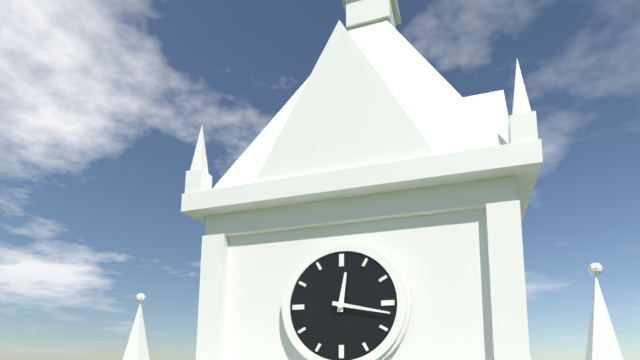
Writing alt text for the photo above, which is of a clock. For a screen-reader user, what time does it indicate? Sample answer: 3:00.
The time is 12:17
